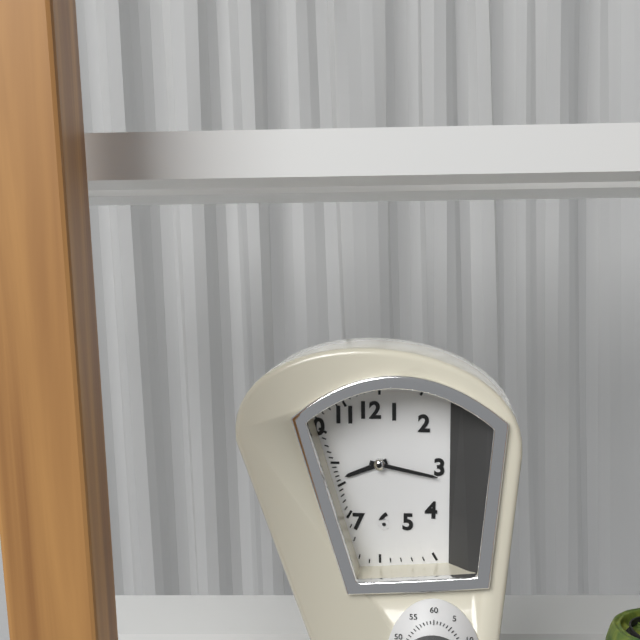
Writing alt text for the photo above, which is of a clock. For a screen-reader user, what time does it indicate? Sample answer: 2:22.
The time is 8:17
